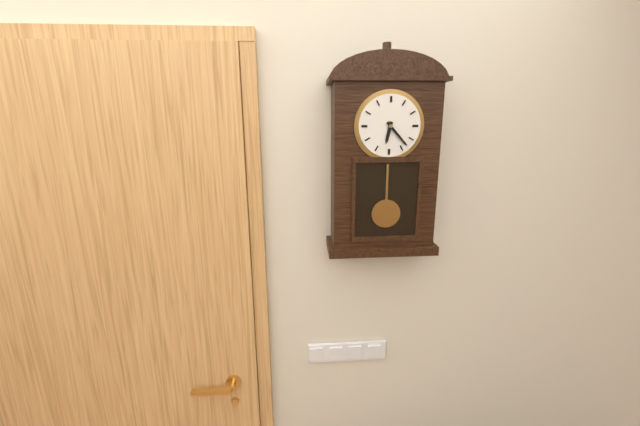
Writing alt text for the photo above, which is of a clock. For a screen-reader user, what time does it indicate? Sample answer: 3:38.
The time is 6:23
